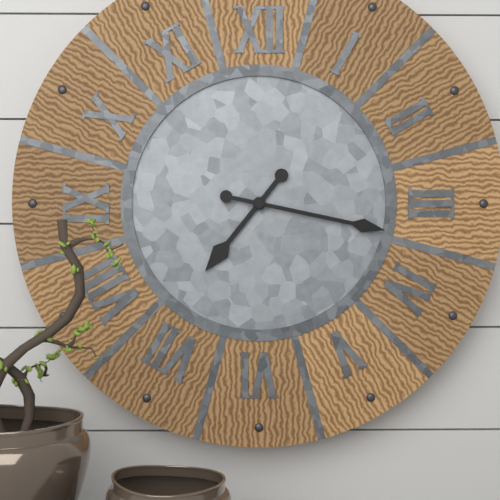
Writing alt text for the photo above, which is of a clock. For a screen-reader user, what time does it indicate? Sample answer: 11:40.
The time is 7:17
